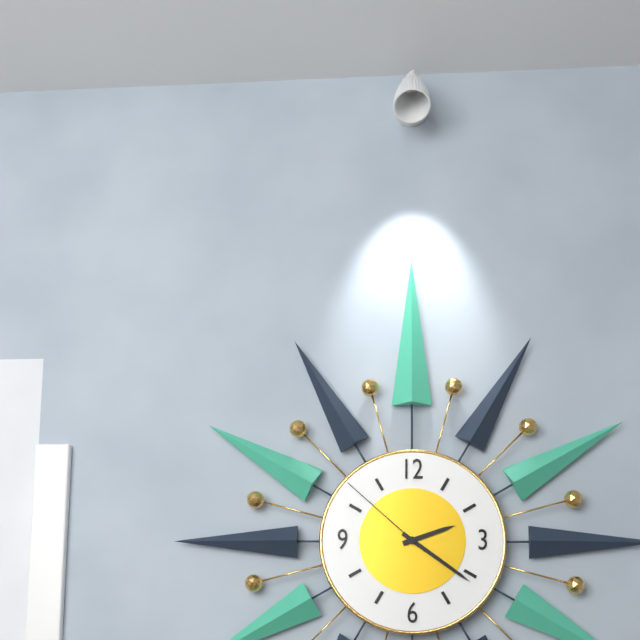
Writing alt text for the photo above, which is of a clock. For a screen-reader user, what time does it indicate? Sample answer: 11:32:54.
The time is 2:21:52
